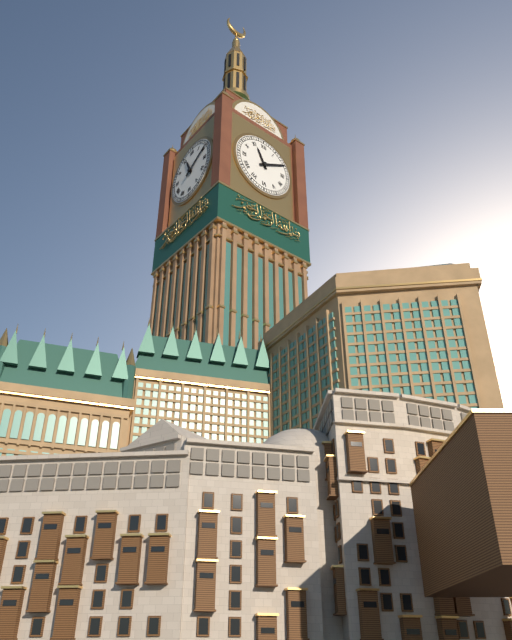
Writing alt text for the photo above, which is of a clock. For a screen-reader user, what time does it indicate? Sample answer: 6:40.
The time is 11:10
